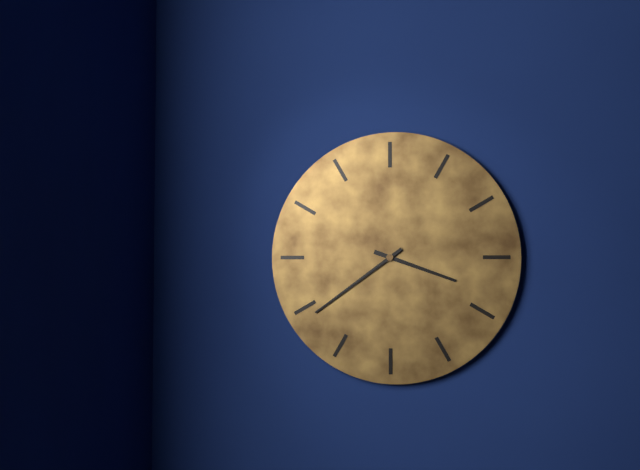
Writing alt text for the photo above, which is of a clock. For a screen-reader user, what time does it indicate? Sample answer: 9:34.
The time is 3:39
